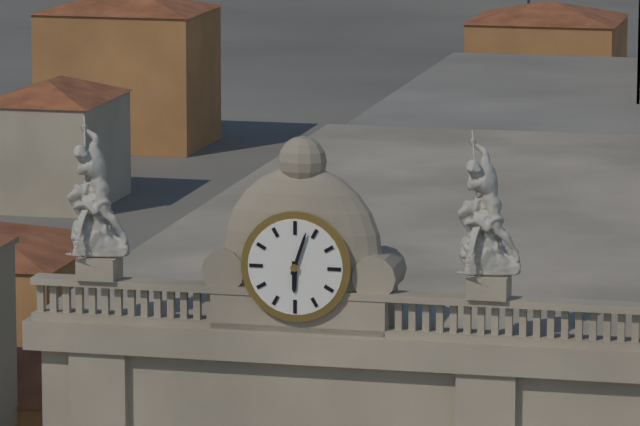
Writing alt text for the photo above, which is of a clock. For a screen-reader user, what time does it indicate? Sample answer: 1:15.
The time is 6:03
